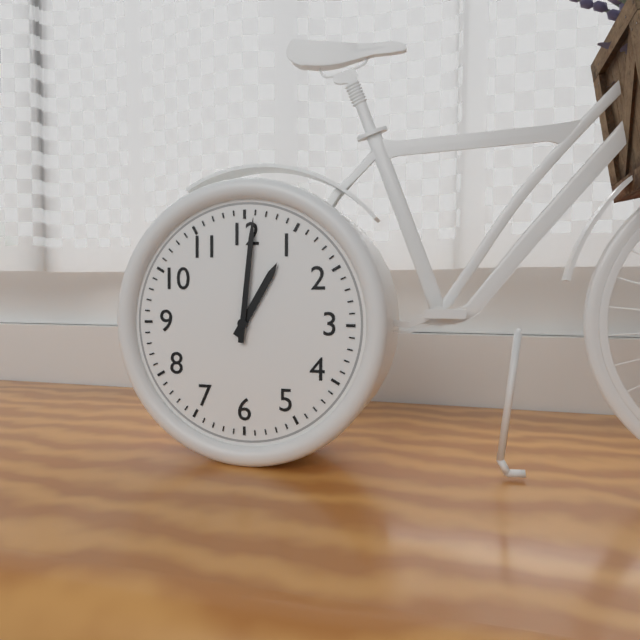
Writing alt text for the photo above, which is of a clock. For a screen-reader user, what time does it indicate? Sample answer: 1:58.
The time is 1:01
